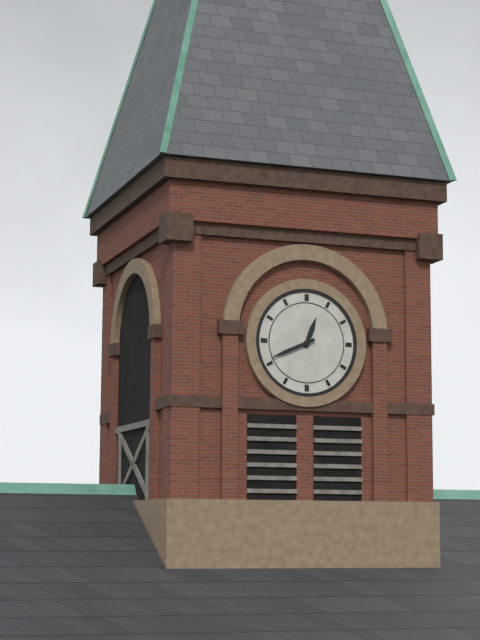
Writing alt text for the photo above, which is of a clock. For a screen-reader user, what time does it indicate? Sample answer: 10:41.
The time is 12:41
